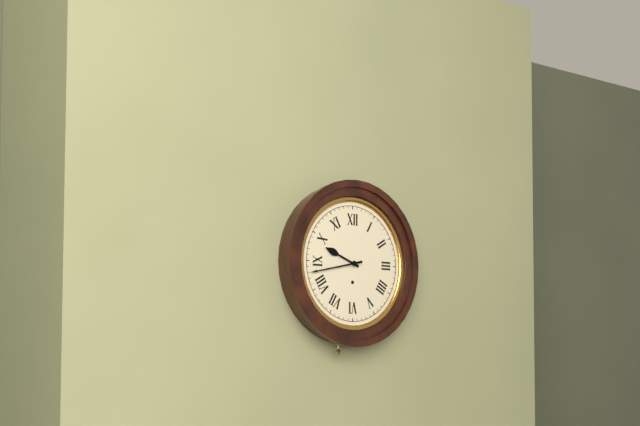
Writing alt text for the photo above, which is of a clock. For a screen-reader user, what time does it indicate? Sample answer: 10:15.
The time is 9:43
